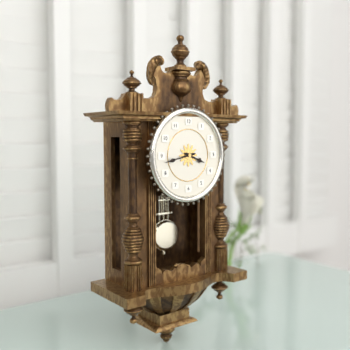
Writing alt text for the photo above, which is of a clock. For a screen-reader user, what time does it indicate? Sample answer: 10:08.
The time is 3:43
